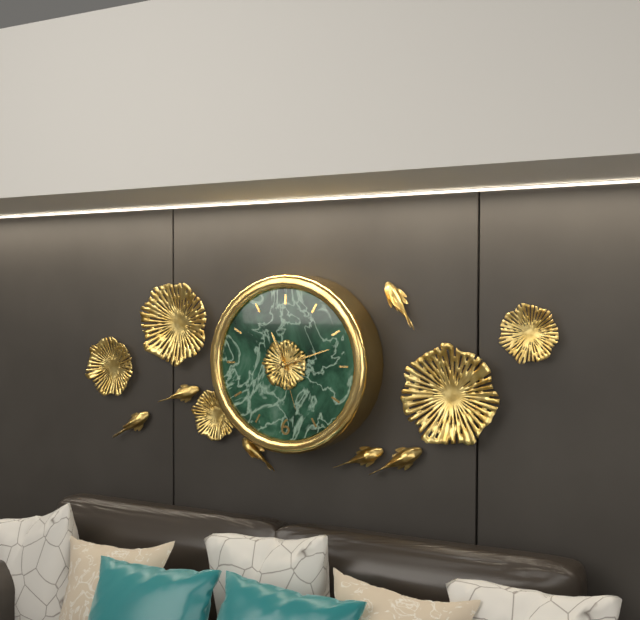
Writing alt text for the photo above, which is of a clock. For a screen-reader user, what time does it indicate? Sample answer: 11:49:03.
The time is 11:12:27
